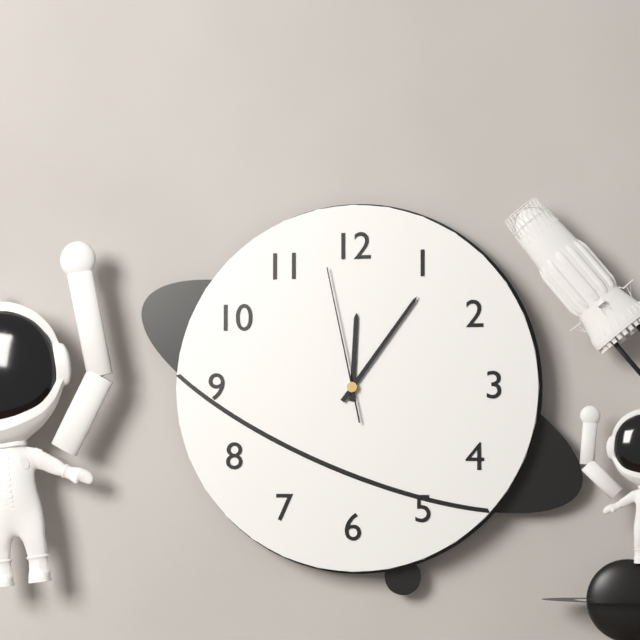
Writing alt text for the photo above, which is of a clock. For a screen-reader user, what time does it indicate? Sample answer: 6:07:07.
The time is 12:06:58
